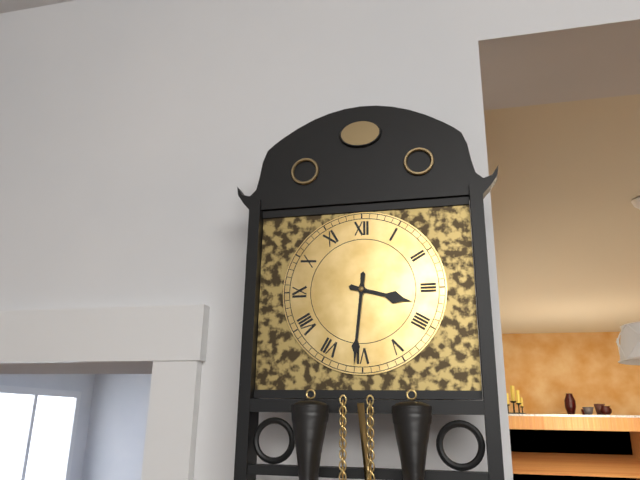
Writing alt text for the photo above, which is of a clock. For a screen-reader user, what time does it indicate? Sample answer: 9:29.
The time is 3:31
